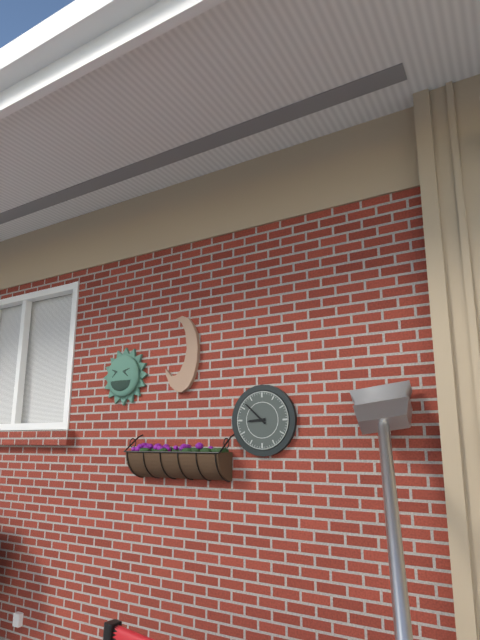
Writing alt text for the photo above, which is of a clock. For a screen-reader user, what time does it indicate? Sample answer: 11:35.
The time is 8:52
